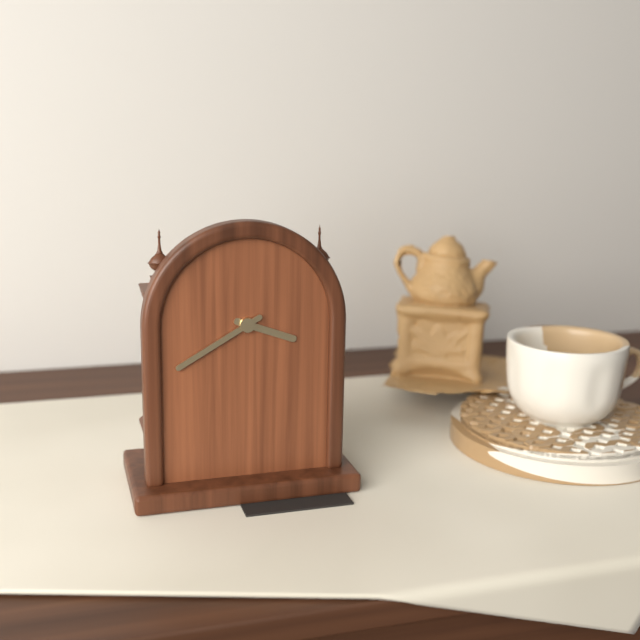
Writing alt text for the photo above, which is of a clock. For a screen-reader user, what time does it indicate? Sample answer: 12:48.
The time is 3:40
